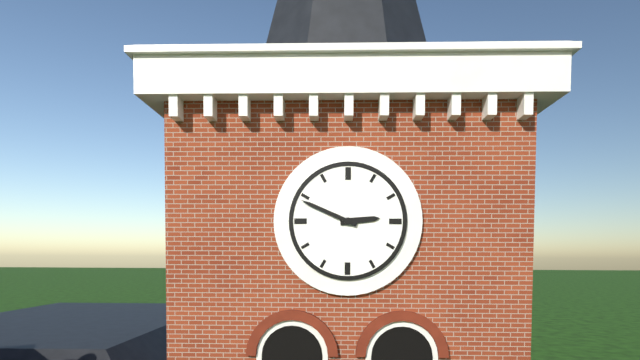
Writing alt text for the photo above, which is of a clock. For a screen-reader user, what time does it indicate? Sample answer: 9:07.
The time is 2:49
